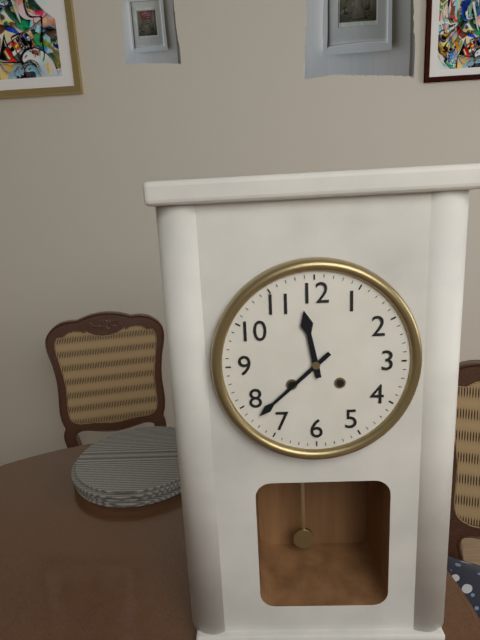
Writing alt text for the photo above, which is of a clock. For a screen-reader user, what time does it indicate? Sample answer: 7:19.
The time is 11:38
